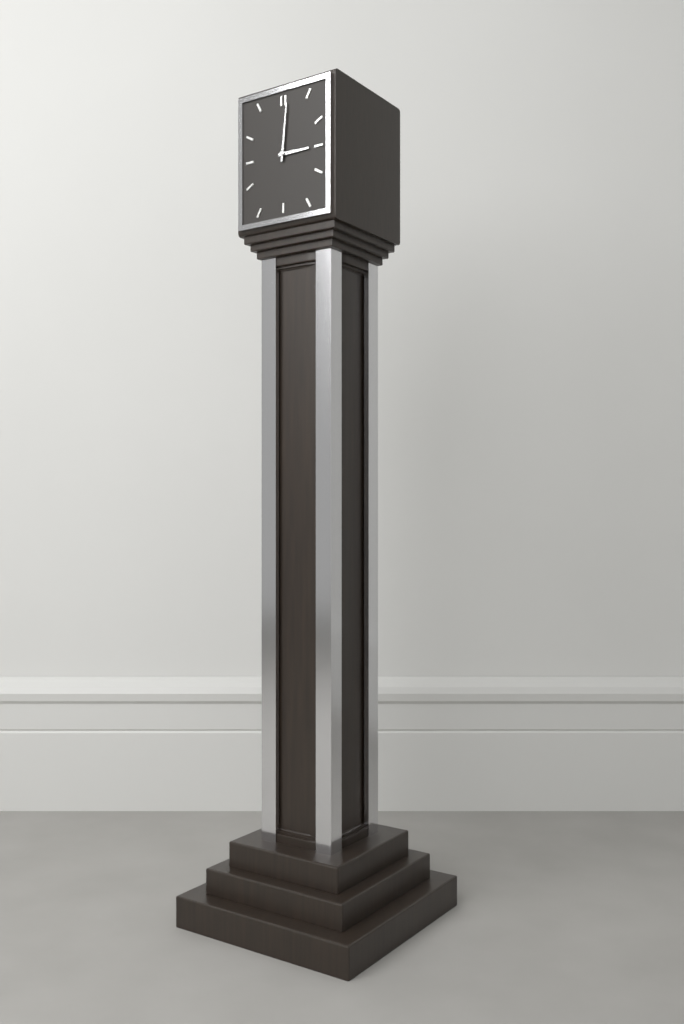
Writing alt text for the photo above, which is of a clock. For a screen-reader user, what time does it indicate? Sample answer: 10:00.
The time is 3:01
